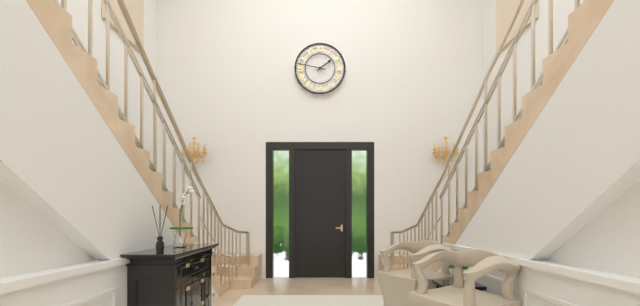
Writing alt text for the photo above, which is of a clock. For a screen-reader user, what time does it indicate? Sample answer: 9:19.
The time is 1:47
